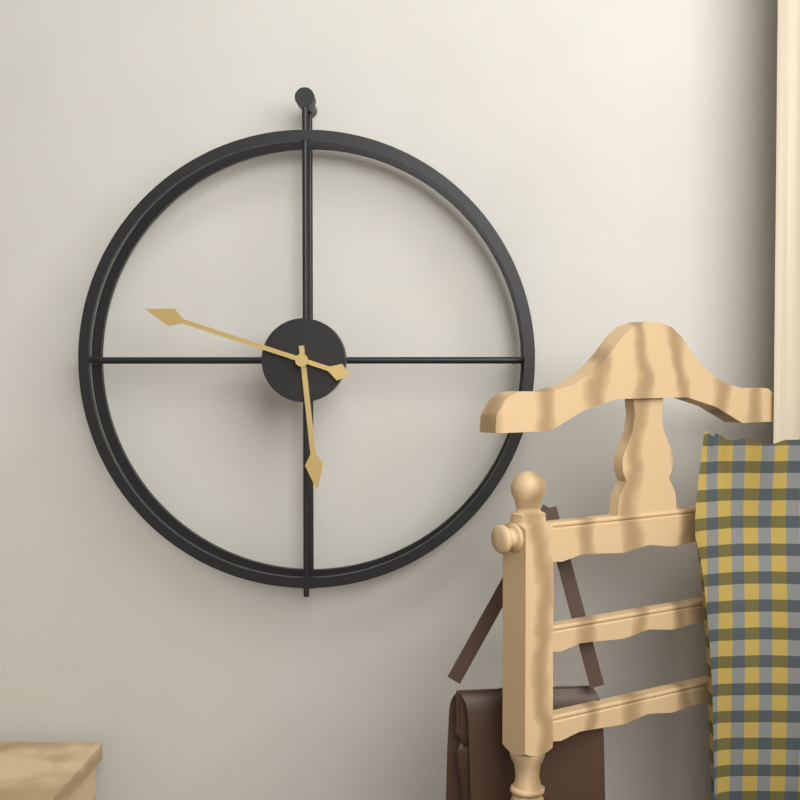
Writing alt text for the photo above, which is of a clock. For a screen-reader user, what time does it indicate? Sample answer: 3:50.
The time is 5:48
